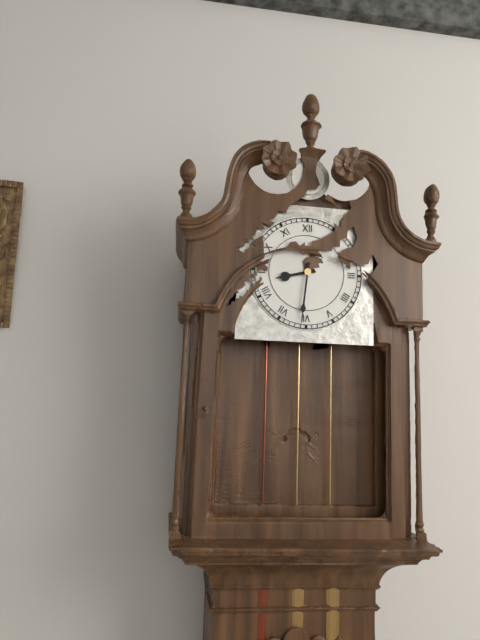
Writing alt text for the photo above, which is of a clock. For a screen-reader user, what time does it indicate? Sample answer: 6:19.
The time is 8:31
